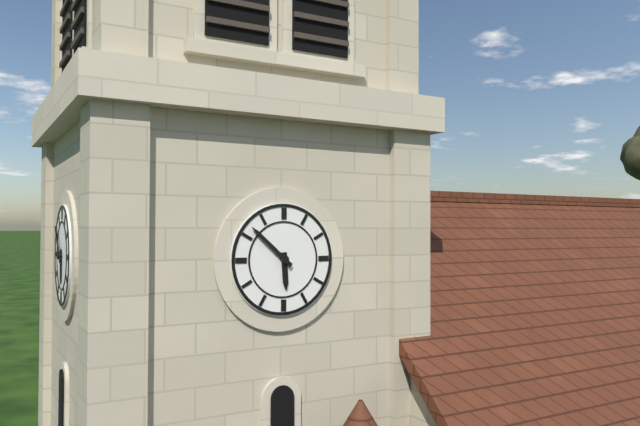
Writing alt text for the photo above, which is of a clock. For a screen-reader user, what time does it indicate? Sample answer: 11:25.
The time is 5:52
